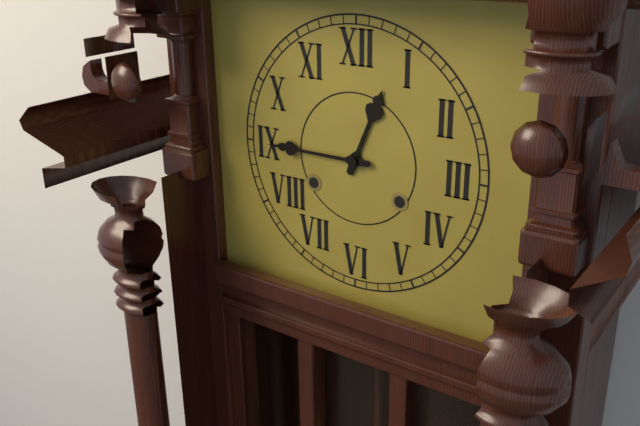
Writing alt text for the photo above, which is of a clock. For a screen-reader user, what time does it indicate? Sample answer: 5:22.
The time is 12:45
